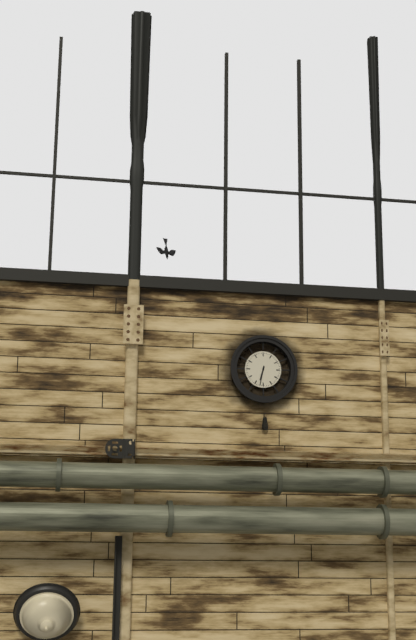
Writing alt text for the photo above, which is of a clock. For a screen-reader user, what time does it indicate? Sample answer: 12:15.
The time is 6:32
